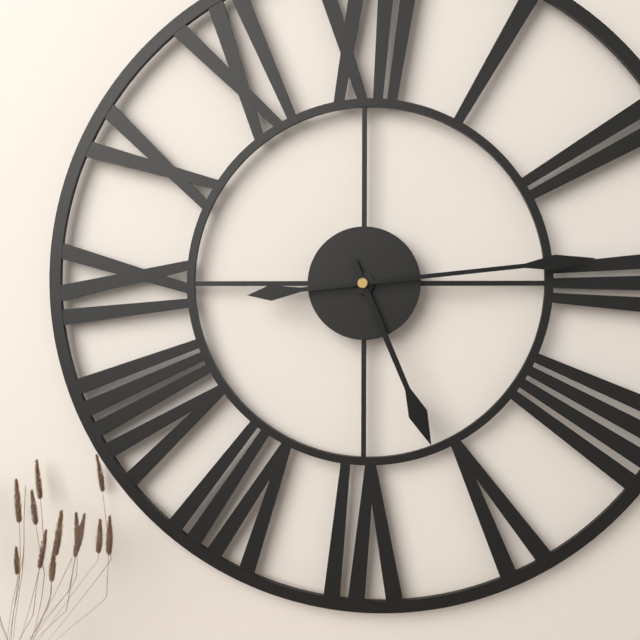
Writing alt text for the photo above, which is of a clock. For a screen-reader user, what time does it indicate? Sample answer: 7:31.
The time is 5:14
